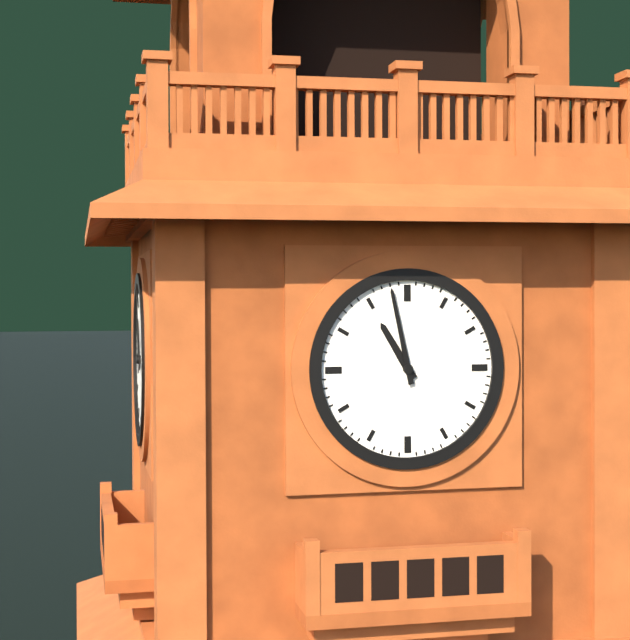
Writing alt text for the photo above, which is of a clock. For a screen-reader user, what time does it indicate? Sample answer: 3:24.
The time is 10:58
